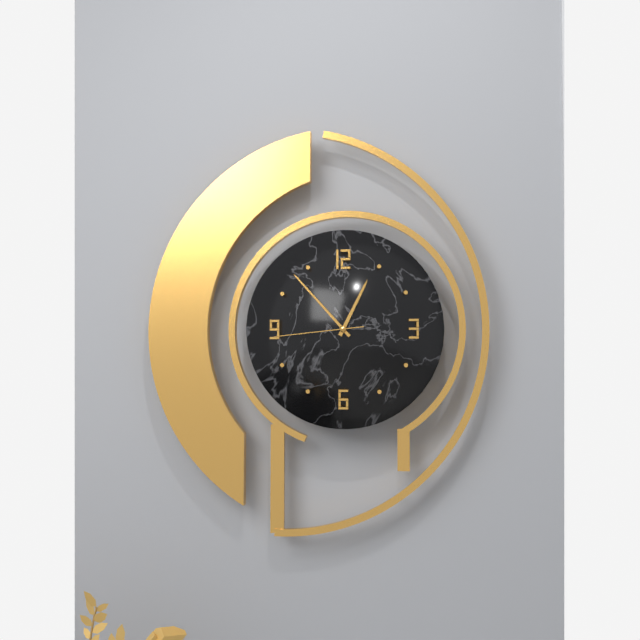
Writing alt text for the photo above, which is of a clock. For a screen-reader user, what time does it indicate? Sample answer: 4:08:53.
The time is 12:53:44
